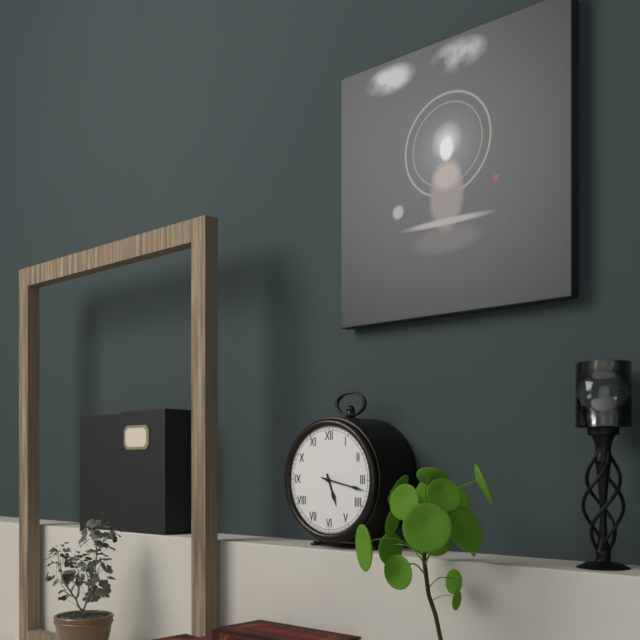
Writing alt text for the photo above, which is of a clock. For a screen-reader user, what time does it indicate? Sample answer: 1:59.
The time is 5:17
